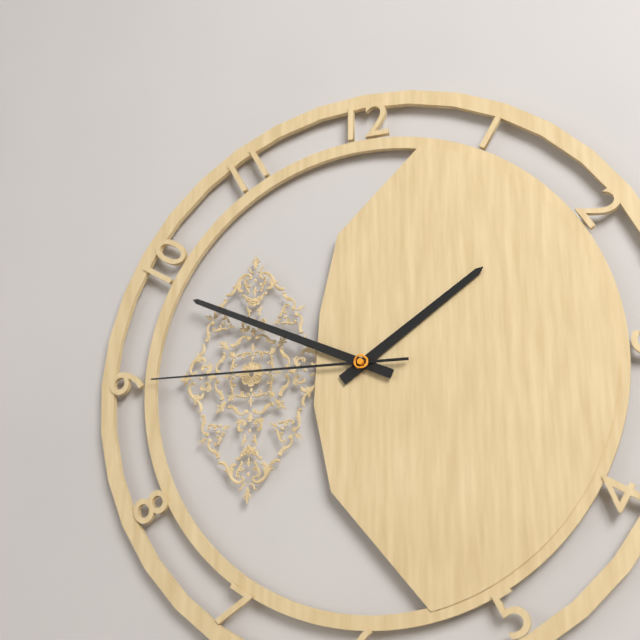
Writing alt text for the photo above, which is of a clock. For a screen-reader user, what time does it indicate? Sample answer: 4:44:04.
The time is 1:49:45
